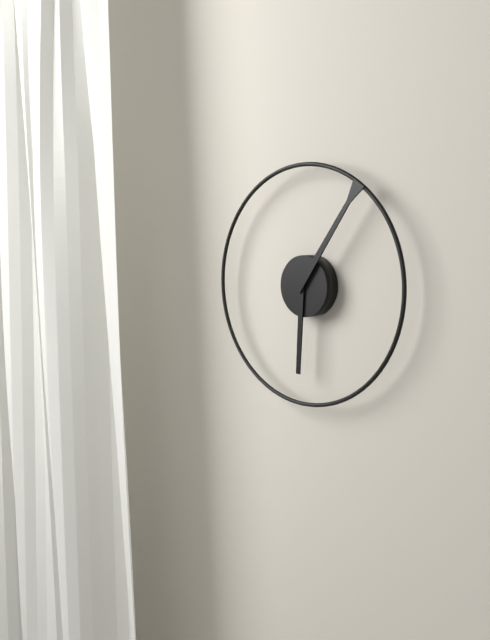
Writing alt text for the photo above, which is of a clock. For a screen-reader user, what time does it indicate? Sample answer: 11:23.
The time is 6:06
